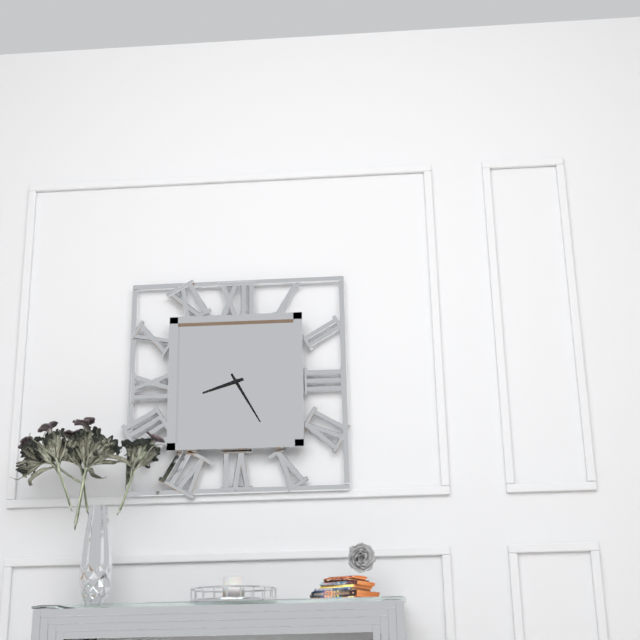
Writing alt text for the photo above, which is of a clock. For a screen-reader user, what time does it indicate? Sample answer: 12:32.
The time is 8:25
